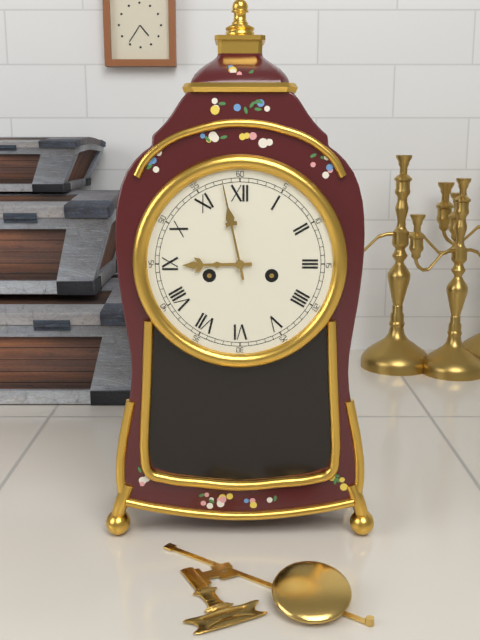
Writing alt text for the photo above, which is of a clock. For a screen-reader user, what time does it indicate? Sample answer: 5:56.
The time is 8:58
